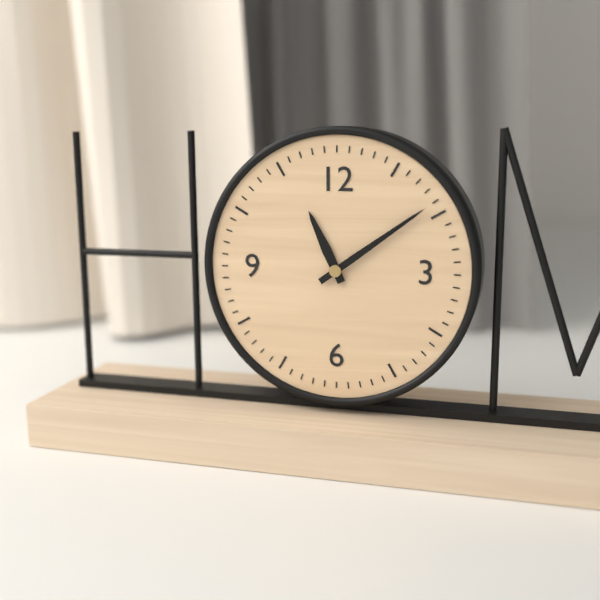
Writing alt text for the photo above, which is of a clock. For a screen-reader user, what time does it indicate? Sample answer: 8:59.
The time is 11:09
